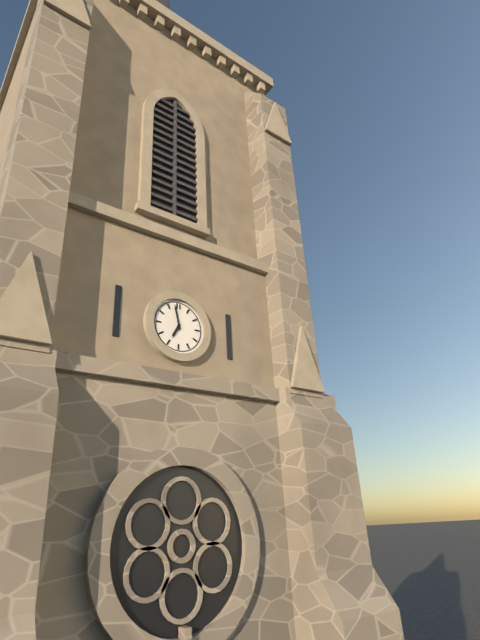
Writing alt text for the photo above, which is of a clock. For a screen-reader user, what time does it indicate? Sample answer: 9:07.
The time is 6:58
